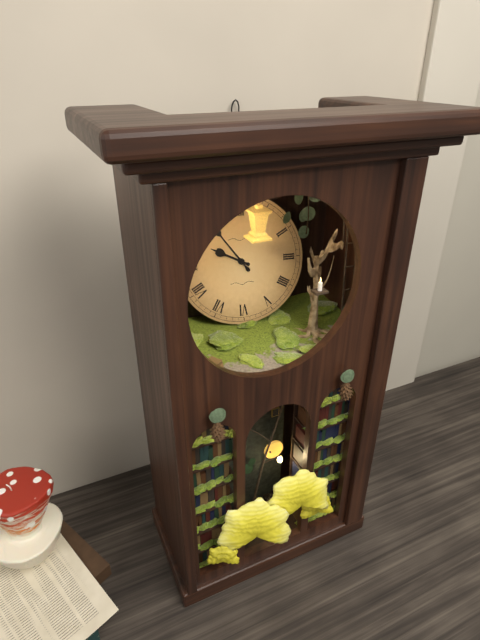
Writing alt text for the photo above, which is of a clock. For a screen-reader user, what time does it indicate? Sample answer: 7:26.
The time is 9:54
